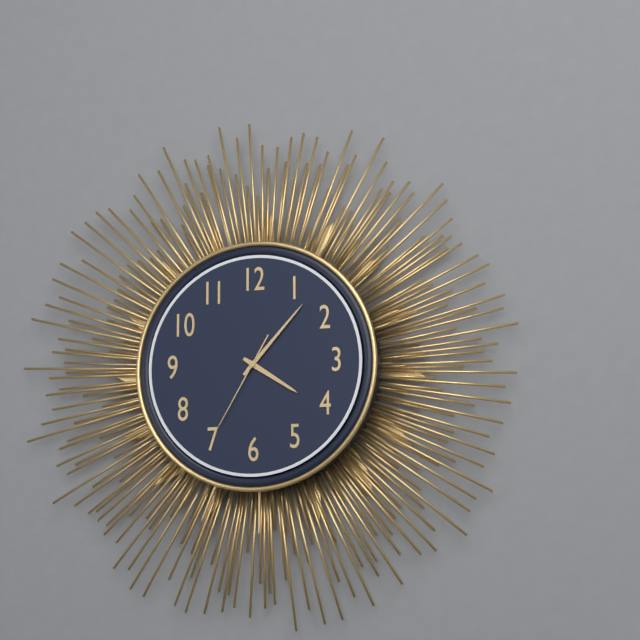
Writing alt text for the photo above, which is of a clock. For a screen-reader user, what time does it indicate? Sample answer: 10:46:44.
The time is 4:07:35
